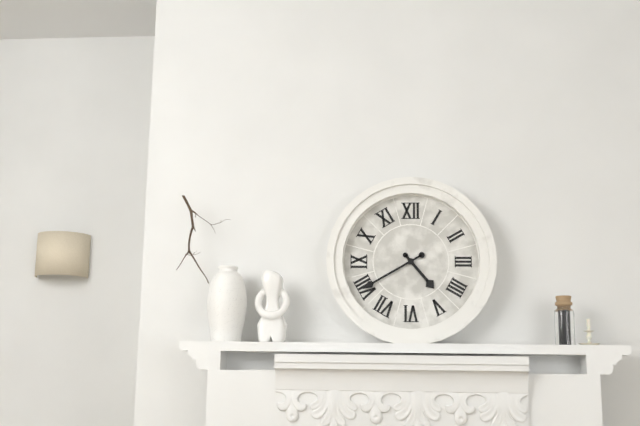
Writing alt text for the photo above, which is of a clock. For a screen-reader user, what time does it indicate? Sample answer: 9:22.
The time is 4:40
